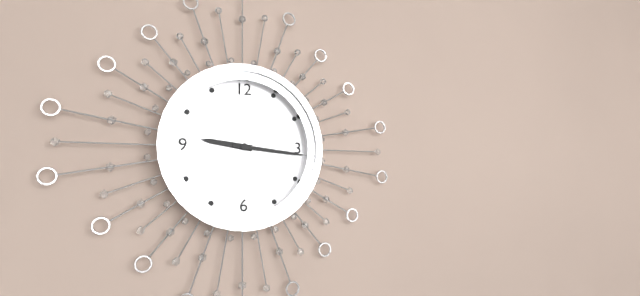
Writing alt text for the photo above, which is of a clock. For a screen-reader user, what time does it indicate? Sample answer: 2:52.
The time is 9:16
